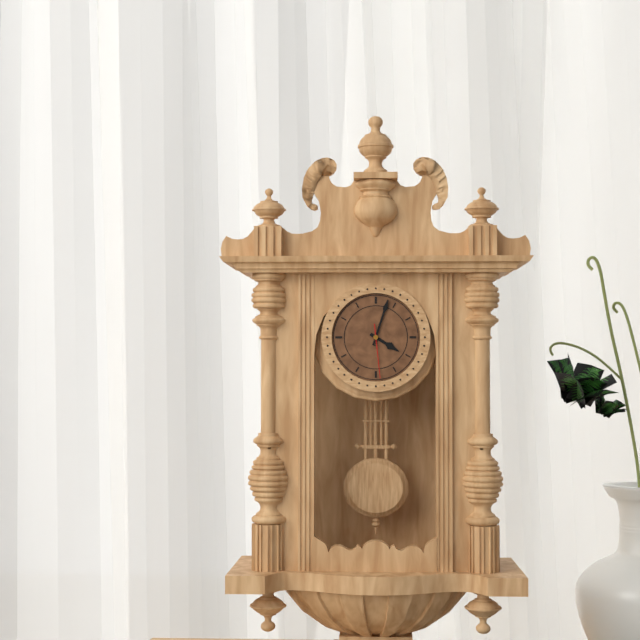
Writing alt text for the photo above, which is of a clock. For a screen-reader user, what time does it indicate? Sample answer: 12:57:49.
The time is 4:03:29
